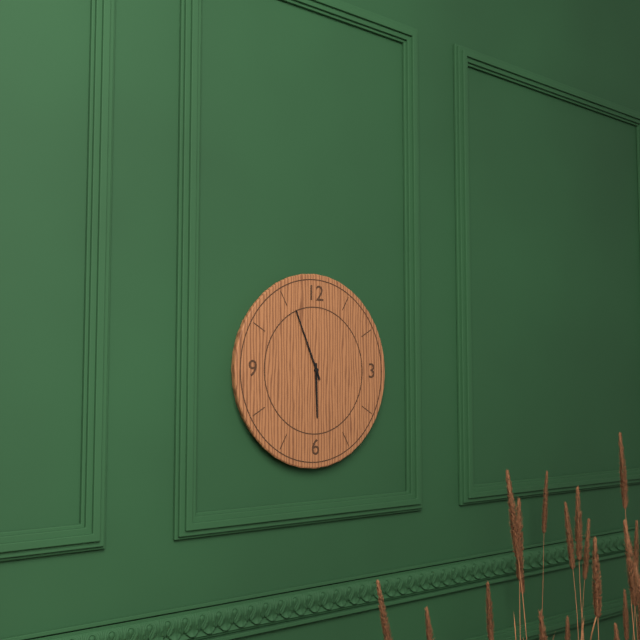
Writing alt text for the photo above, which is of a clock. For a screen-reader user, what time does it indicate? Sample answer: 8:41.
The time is 5:56
